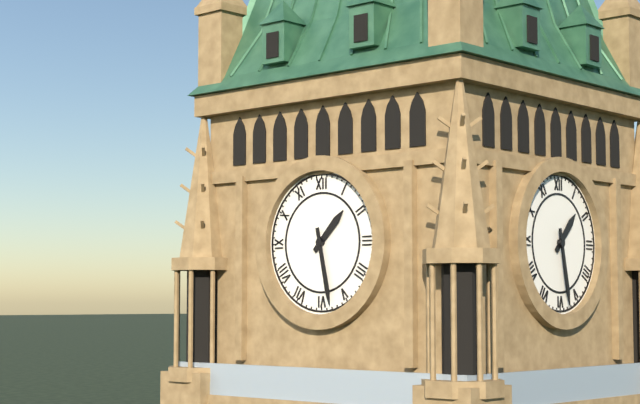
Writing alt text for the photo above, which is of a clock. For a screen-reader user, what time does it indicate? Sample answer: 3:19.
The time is 1:28
